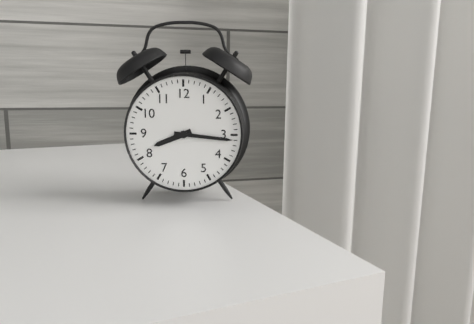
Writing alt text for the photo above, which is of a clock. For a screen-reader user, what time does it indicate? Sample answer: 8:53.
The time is 8:16
